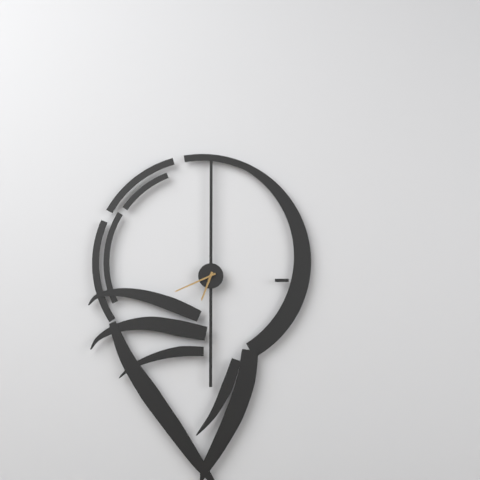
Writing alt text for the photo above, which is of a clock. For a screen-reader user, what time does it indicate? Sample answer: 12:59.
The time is 6:41
